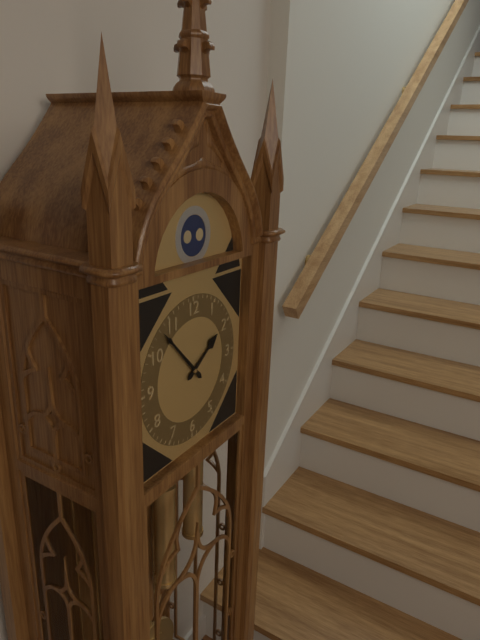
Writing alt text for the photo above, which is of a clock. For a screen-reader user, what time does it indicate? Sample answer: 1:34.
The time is 1:53
